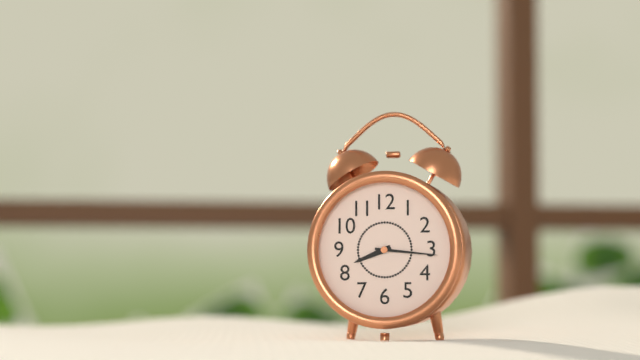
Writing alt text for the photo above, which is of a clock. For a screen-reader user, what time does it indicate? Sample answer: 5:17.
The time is 8:16
